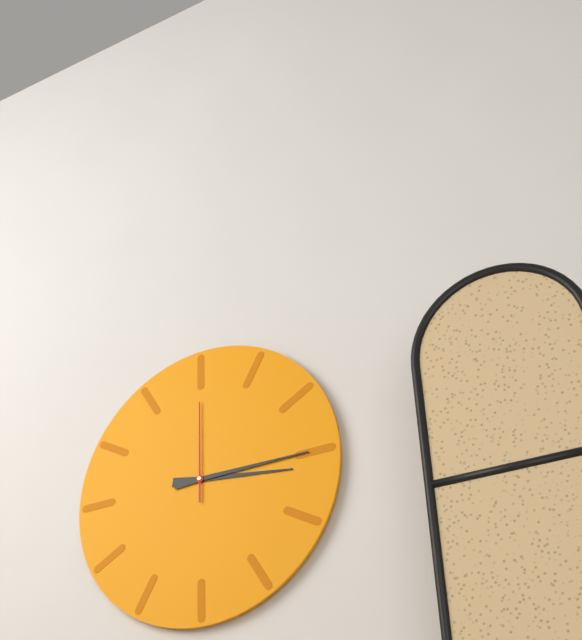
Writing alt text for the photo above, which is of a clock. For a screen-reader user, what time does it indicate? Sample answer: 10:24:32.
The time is 3:15:00
